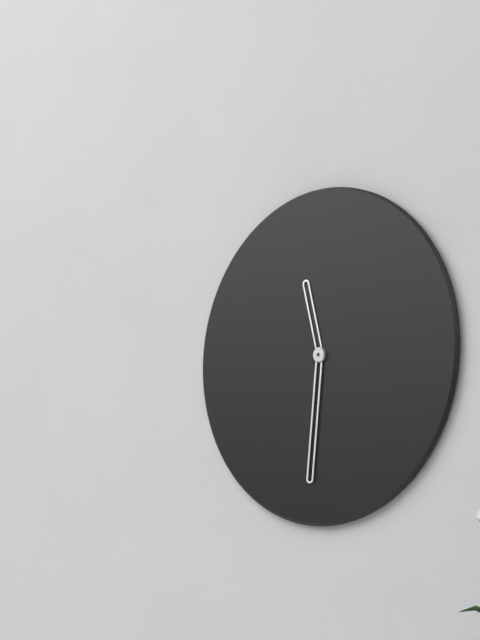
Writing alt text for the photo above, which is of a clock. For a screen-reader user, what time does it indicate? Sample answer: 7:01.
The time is 11:31
